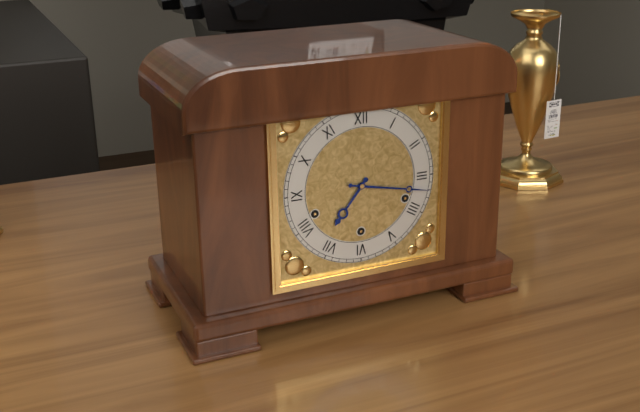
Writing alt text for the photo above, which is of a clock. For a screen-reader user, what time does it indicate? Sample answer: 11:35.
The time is 7:17
